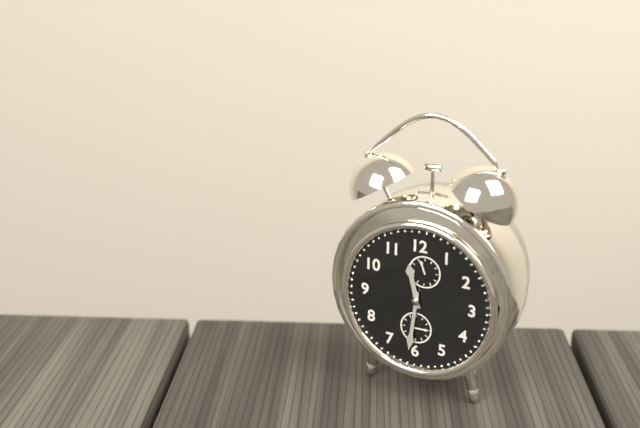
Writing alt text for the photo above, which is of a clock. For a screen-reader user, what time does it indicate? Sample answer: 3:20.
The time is 11:31
